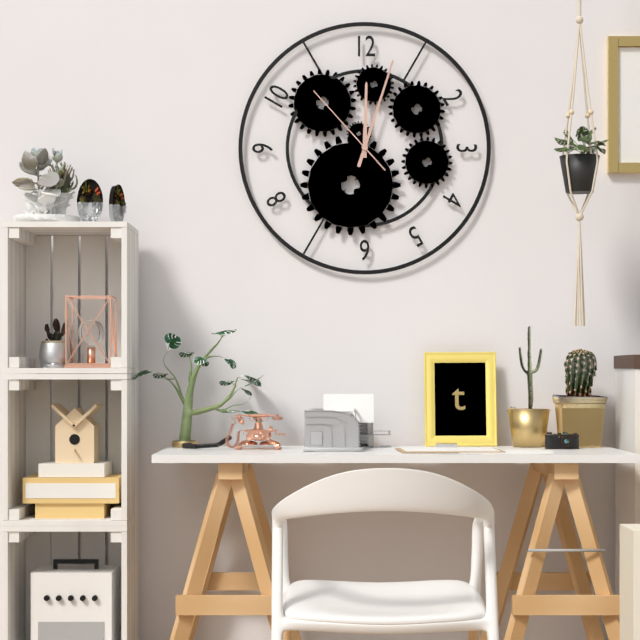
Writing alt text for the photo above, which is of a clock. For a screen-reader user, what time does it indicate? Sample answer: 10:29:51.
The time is 12:03:53
